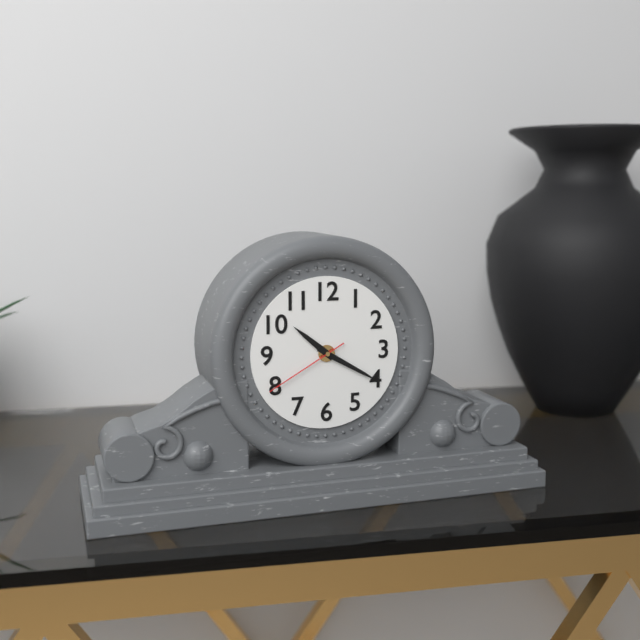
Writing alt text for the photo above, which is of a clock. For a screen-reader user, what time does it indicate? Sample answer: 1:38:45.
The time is 10:20:40
